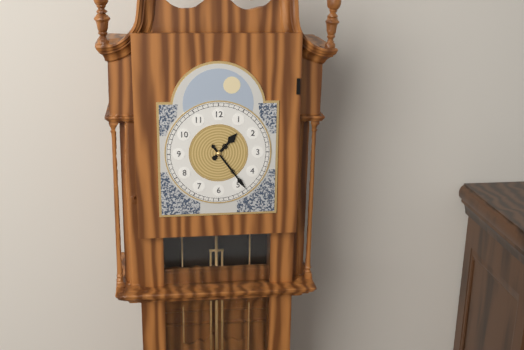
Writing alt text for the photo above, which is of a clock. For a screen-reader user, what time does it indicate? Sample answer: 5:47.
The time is 1:24
